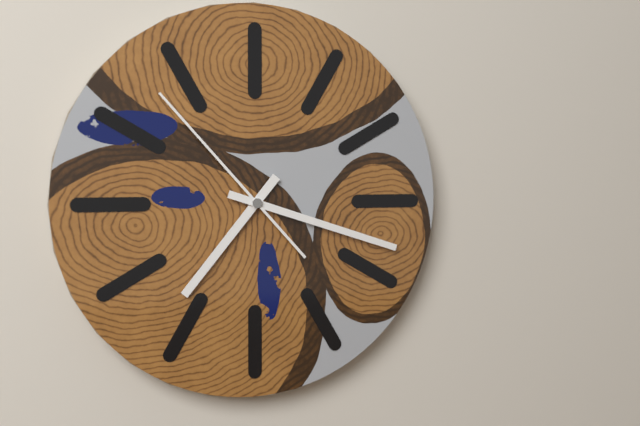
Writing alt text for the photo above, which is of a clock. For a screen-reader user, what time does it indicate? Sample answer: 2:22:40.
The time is 7:18:53
